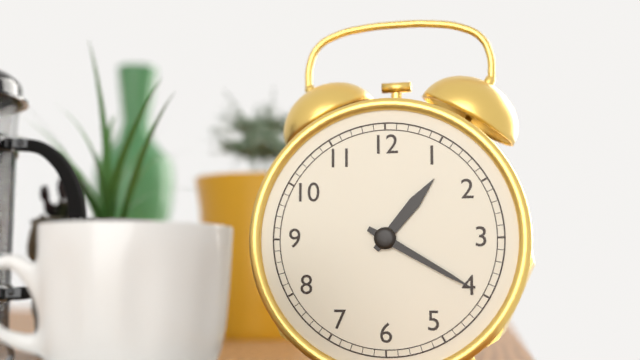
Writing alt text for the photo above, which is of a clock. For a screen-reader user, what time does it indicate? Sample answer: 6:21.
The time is 1:20
